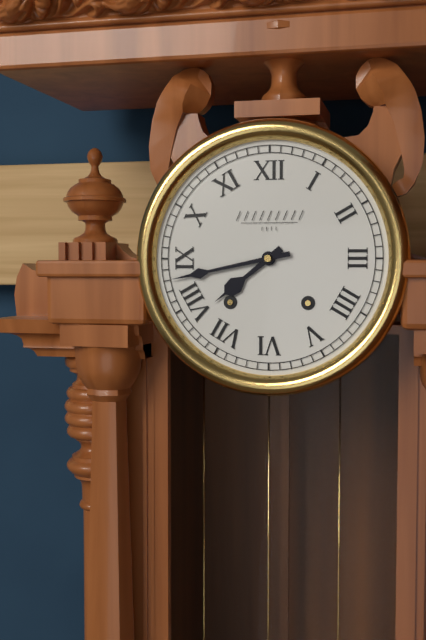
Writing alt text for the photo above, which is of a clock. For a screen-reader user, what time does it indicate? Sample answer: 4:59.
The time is 7:43
